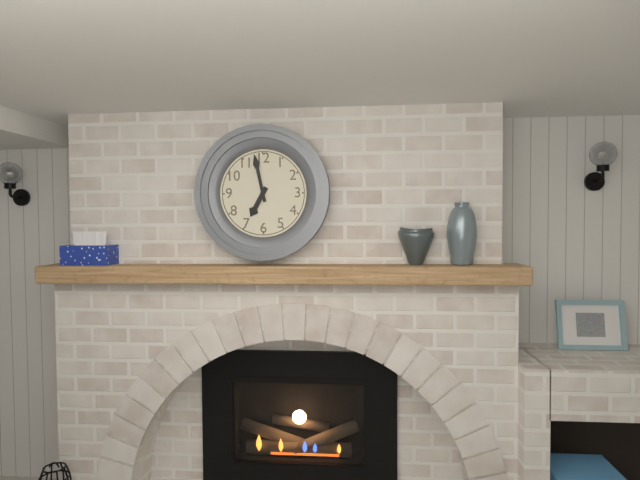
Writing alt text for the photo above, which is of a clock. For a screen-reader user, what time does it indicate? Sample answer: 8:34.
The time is 6:58
